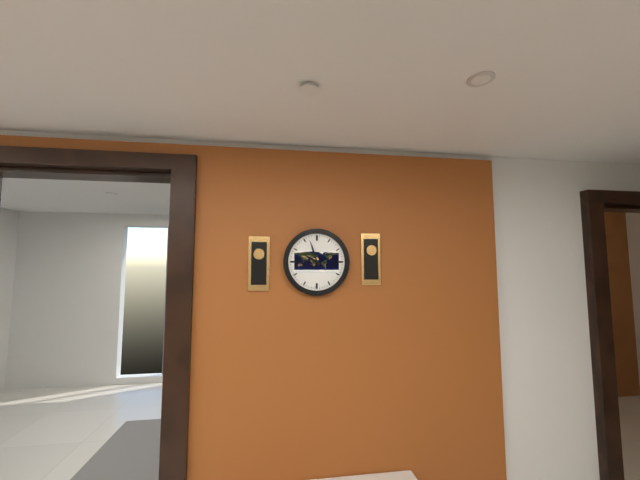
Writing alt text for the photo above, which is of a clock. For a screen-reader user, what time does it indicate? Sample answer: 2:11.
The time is 9:57
